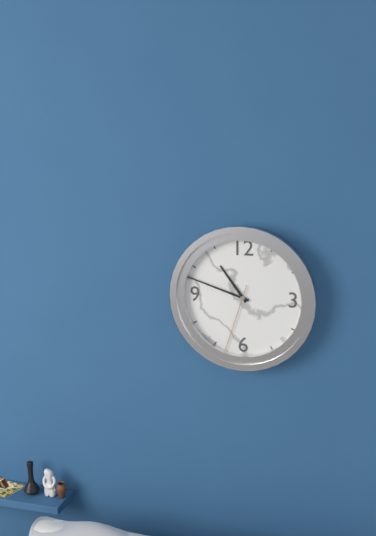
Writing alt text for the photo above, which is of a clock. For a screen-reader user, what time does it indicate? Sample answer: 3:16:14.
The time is 10:48:33
